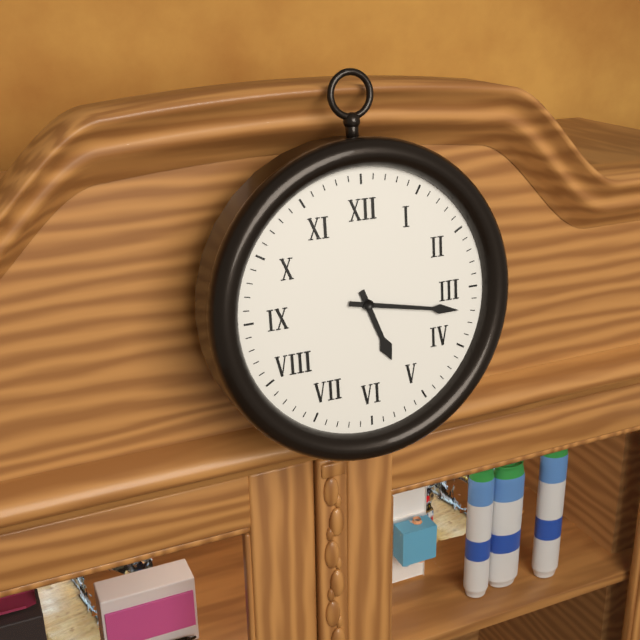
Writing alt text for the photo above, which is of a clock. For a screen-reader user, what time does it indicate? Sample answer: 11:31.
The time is 5:17
